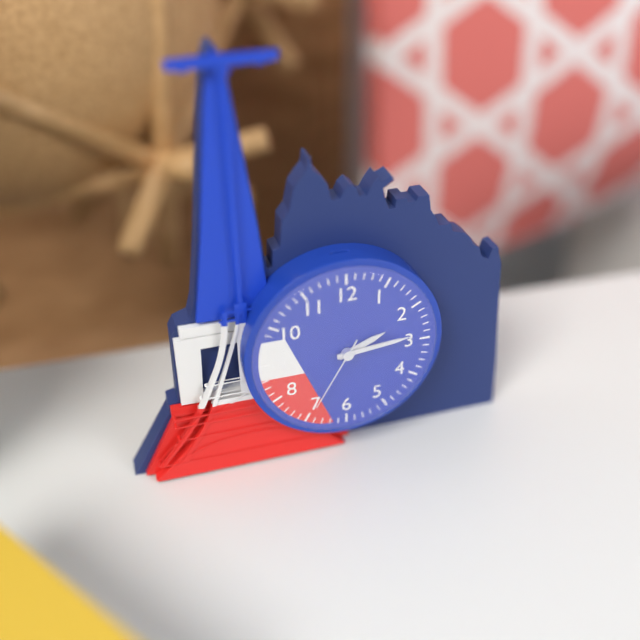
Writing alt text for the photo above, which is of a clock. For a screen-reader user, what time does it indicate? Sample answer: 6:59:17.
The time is 2:14:35
